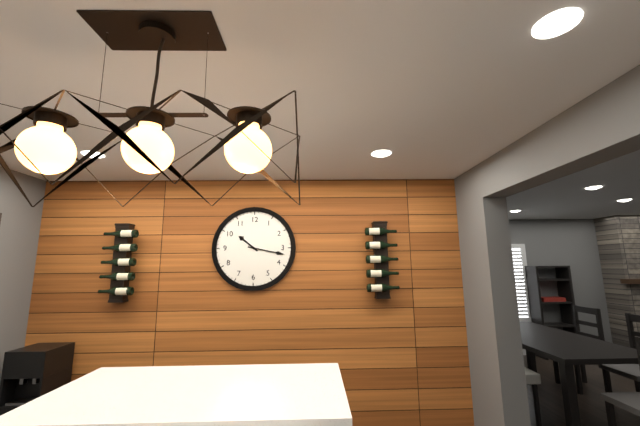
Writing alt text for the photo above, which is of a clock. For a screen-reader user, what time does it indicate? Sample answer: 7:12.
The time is 10:17
